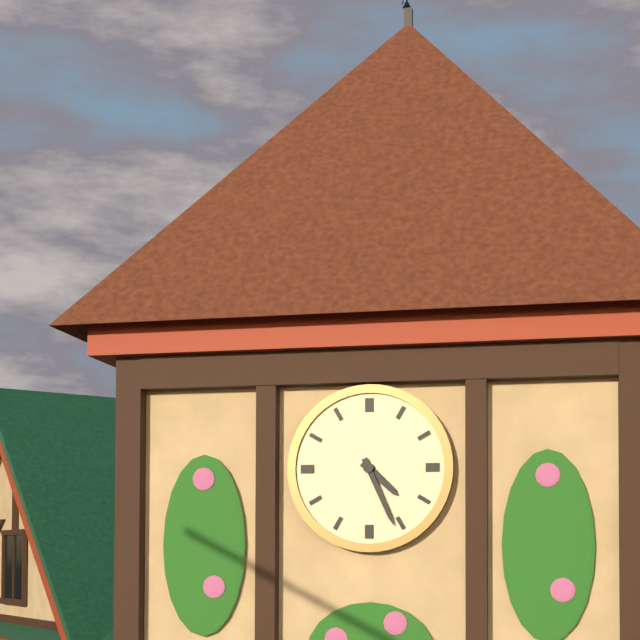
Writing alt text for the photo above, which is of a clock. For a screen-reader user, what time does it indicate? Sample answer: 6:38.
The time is 4:26
